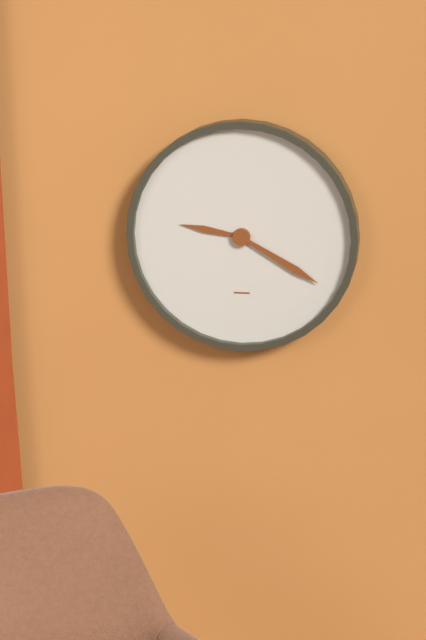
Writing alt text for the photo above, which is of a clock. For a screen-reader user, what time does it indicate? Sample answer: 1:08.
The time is 9:20
